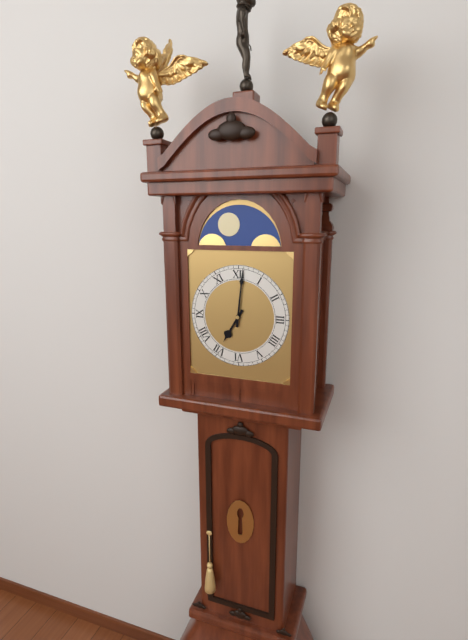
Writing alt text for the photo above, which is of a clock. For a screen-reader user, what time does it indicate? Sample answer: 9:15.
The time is 7:01
